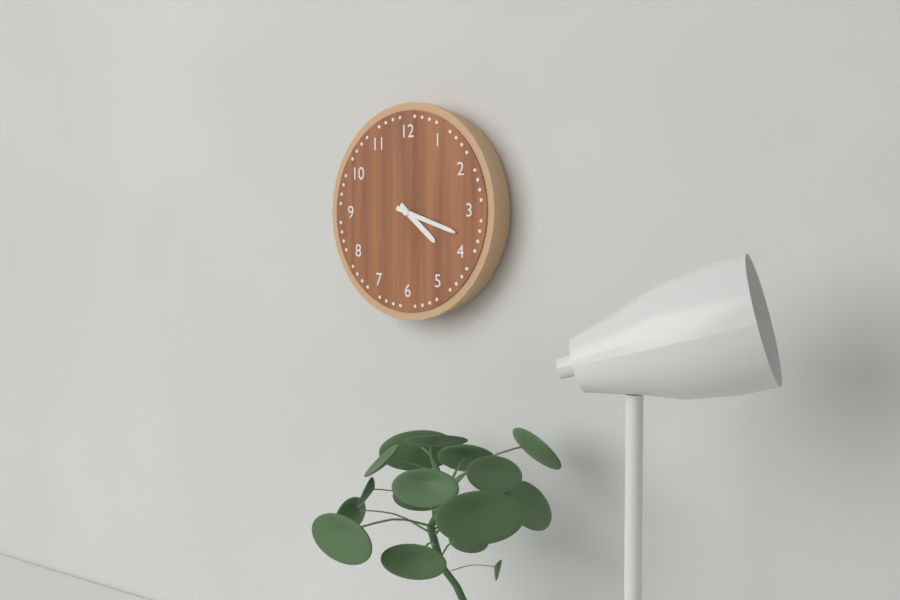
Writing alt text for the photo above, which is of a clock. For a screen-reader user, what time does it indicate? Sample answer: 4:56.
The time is 4:18
